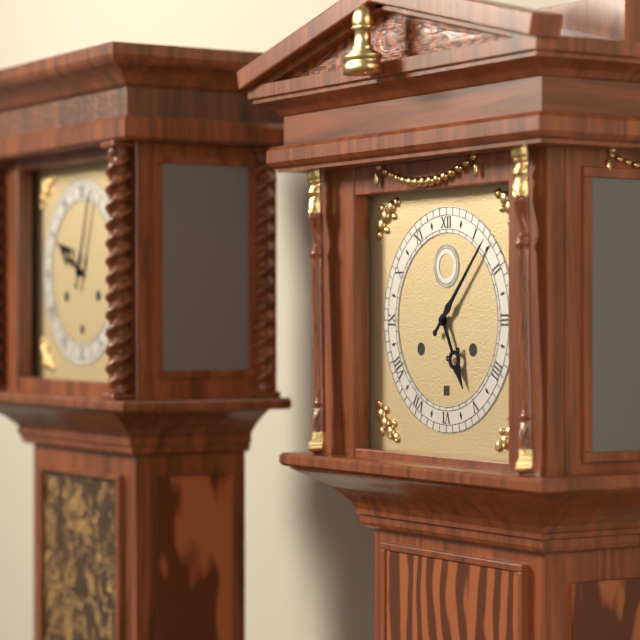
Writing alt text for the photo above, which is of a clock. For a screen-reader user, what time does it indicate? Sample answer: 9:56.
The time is 5:07
